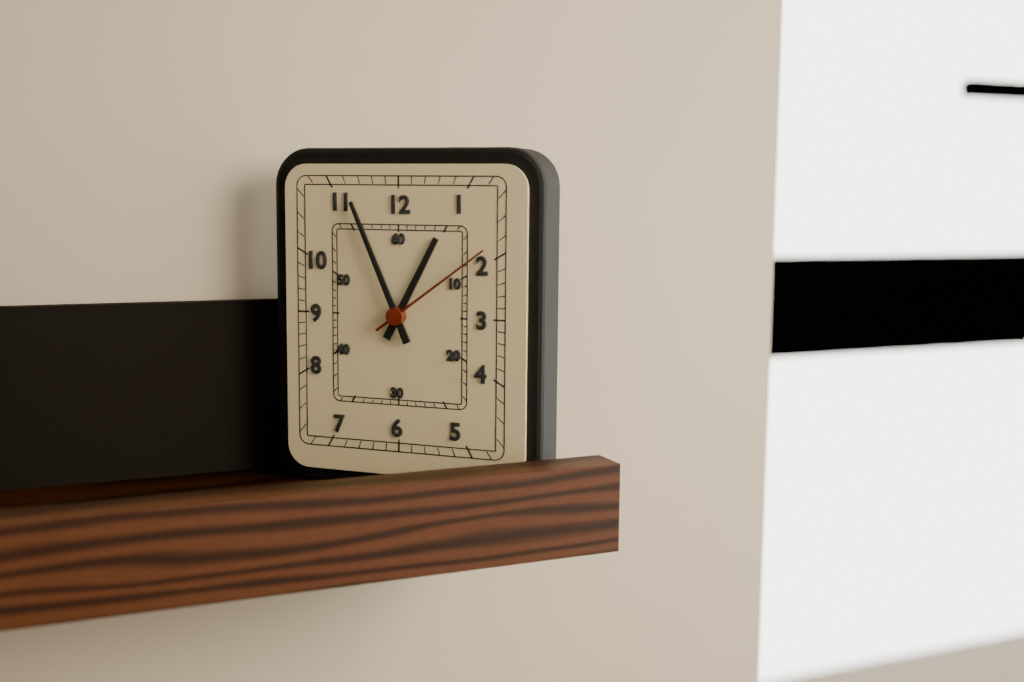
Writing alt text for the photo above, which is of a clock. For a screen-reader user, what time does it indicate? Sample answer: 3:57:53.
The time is 12:56:09
